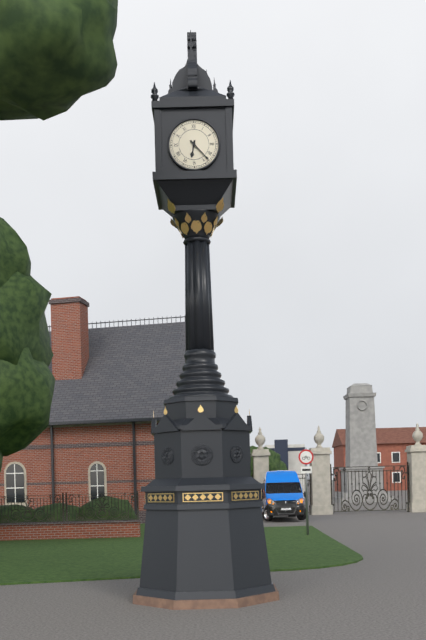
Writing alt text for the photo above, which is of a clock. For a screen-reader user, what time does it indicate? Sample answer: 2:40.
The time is 6:23
